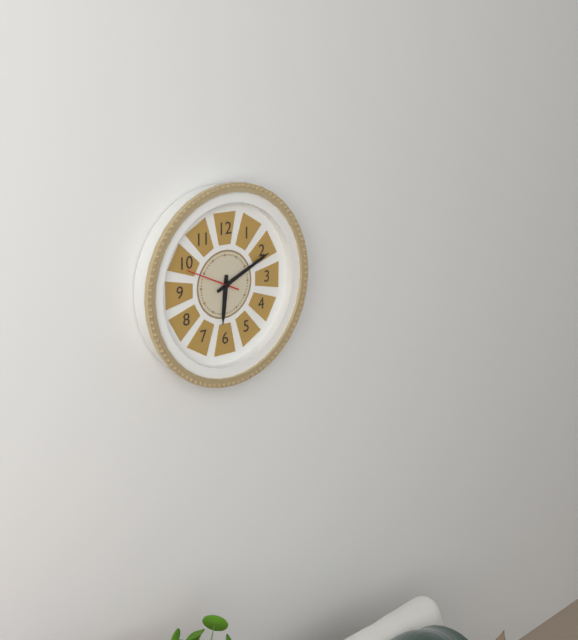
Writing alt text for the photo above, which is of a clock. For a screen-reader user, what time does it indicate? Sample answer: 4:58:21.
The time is 6:11:49
